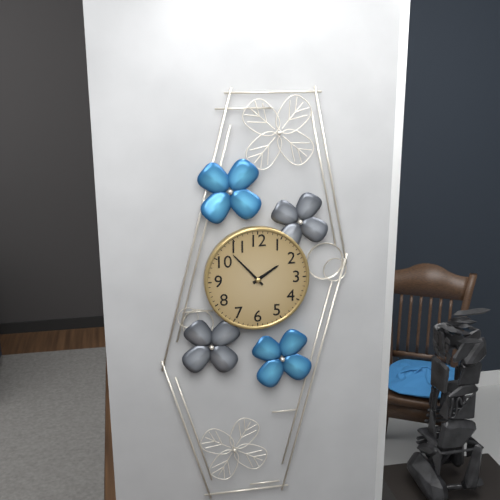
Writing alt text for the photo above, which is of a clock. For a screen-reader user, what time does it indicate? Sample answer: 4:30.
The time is 1:53
